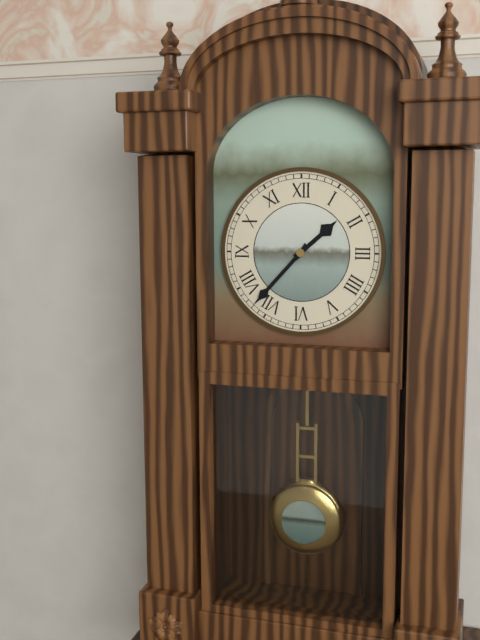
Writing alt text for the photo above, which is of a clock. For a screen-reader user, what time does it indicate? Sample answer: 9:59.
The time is 1:37
